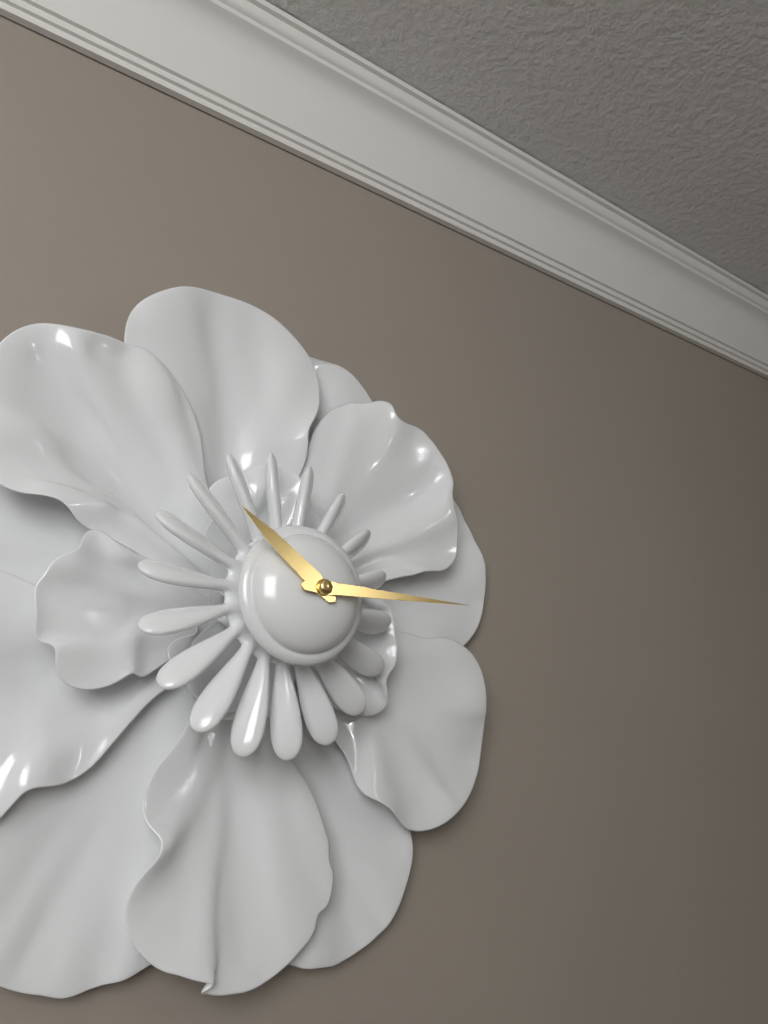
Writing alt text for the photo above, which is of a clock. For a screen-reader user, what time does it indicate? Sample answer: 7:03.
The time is 10:15
